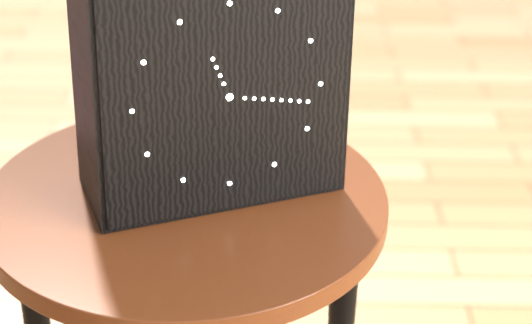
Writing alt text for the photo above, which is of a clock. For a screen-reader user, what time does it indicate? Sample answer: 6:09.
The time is 11:17
